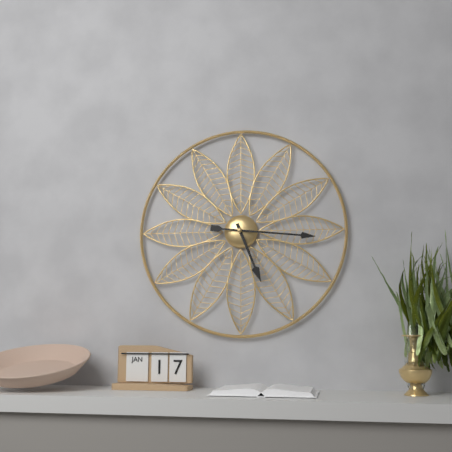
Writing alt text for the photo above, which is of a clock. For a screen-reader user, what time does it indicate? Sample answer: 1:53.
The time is 5:16
